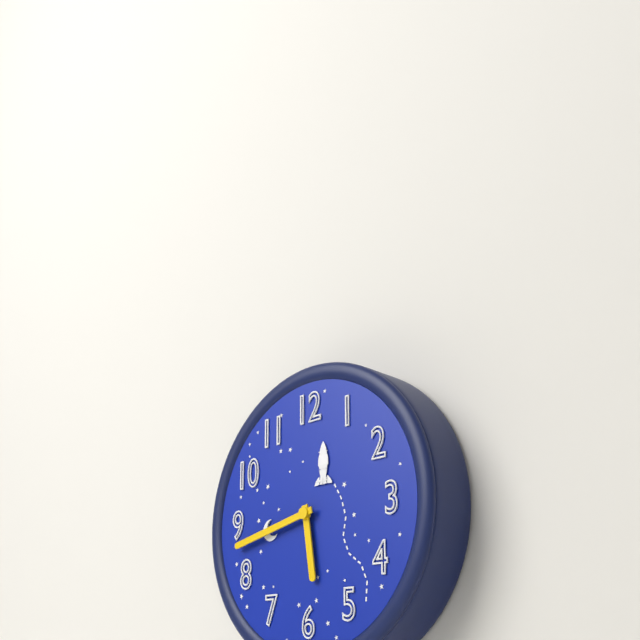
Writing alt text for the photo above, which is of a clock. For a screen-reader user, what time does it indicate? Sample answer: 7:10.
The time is 5:43
